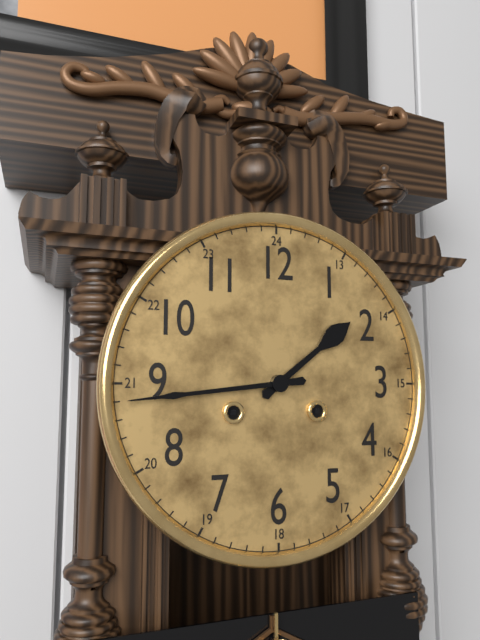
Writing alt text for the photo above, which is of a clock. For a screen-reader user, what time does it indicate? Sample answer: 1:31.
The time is 1:44
